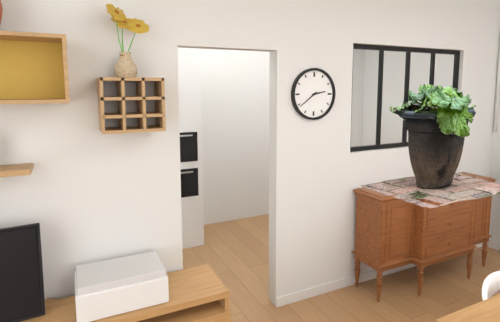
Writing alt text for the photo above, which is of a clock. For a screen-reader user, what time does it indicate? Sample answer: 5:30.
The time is 2:39
